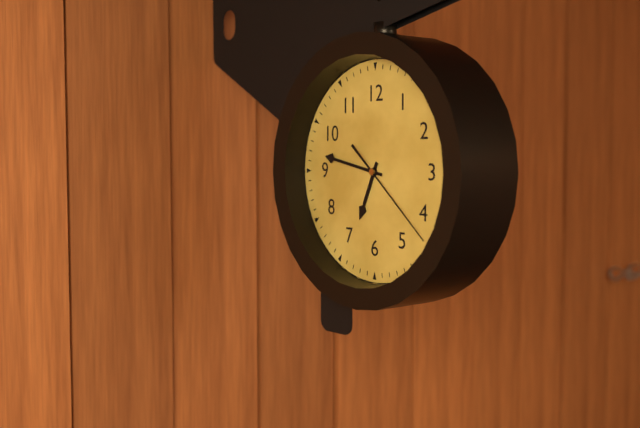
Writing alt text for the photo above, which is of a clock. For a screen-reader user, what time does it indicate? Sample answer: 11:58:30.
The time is 6:47:22
